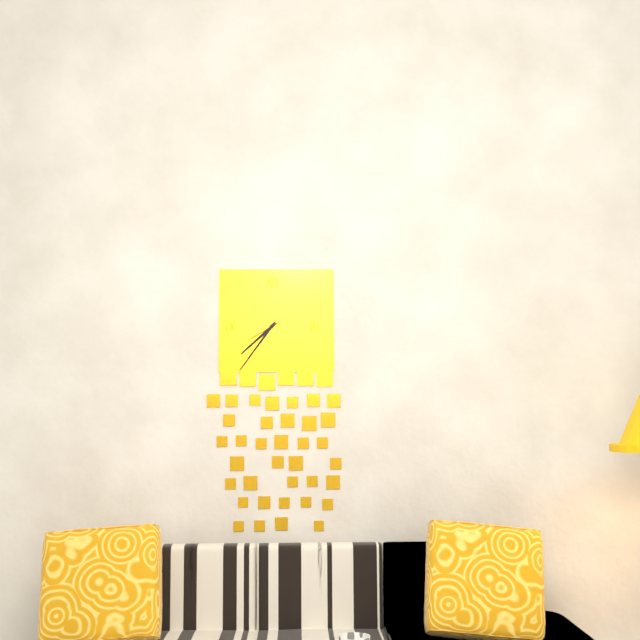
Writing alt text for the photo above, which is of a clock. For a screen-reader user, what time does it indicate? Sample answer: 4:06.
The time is 7:36
